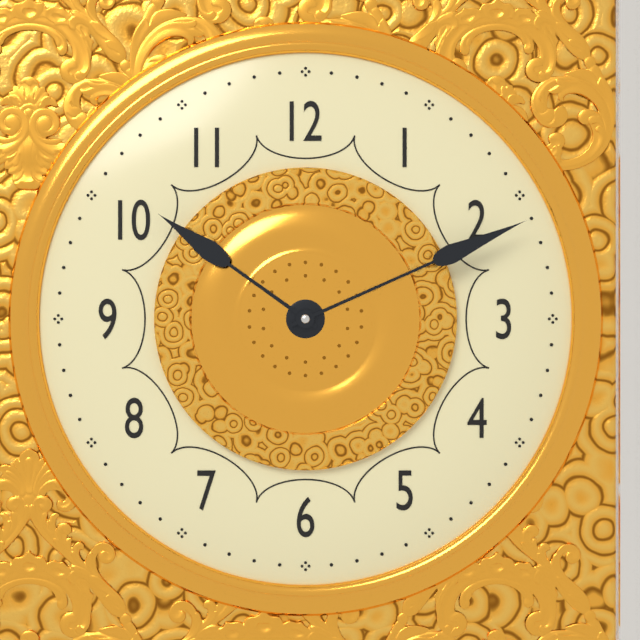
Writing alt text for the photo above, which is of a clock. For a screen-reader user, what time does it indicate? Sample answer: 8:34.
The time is 10:11
